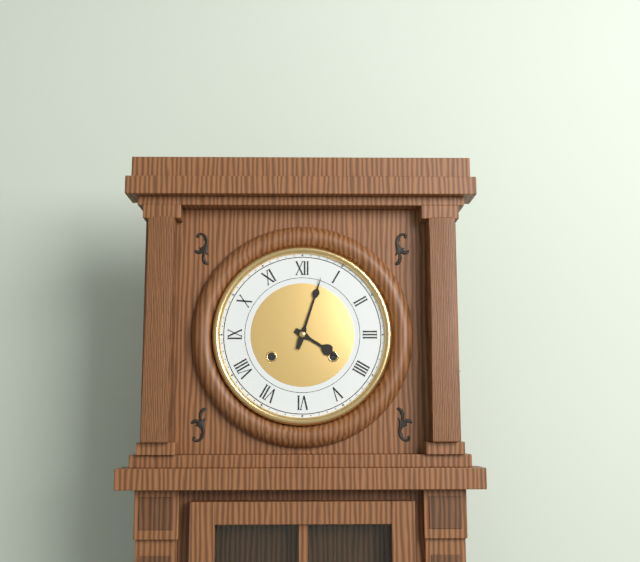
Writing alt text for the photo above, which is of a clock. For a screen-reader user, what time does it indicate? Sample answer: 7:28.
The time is 4:03
